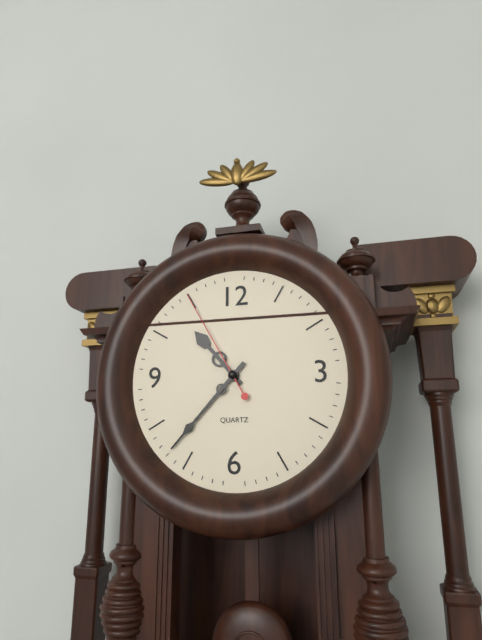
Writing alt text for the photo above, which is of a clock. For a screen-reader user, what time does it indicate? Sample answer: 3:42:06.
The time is 10:37:55
